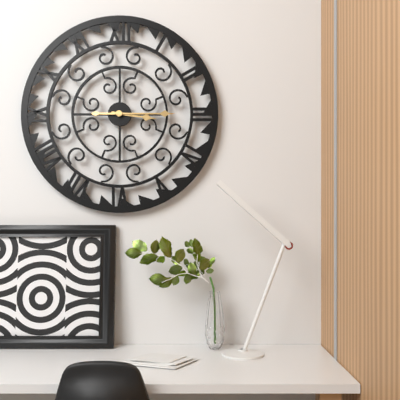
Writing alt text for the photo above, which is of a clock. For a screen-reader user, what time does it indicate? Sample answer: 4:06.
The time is 3:15
